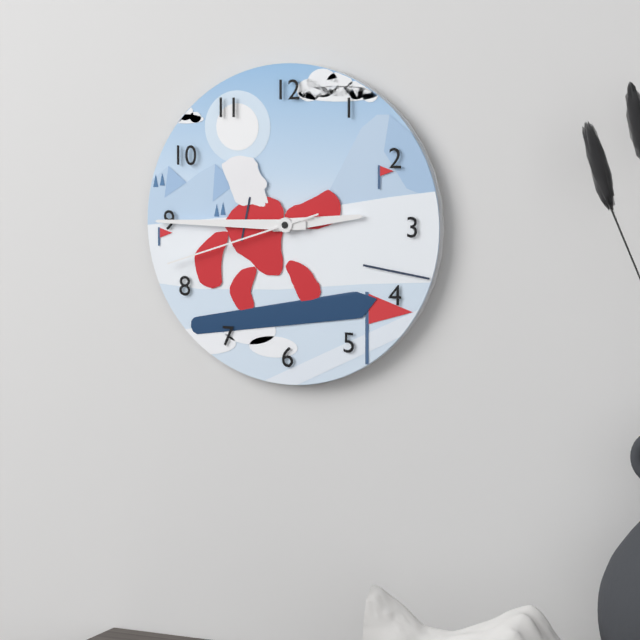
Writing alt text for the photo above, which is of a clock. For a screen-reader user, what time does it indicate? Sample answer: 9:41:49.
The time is 2:45:42
